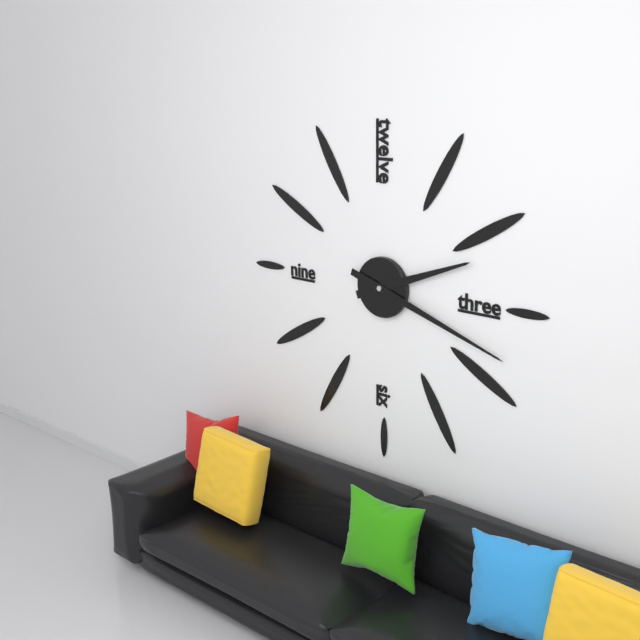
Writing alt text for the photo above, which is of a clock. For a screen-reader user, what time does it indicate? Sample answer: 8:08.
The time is 2:18
